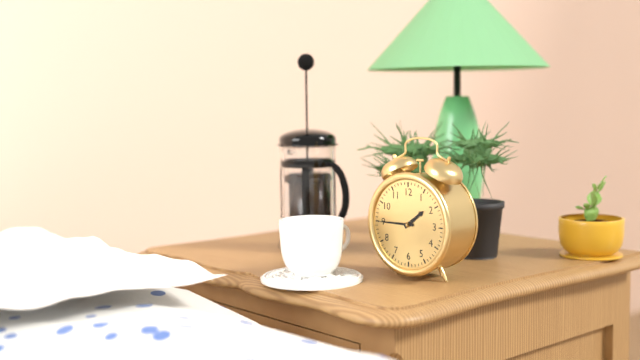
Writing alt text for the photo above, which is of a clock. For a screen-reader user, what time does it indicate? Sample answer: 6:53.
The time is 1:45
